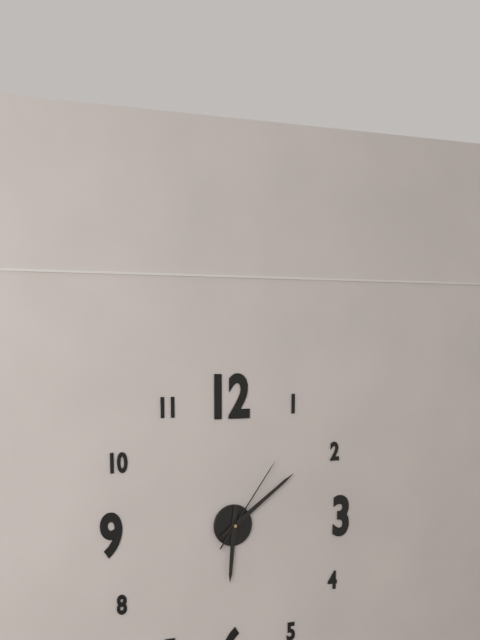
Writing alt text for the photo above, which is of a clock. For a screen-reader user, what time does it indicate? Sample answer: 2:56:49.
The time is 6:09:06
